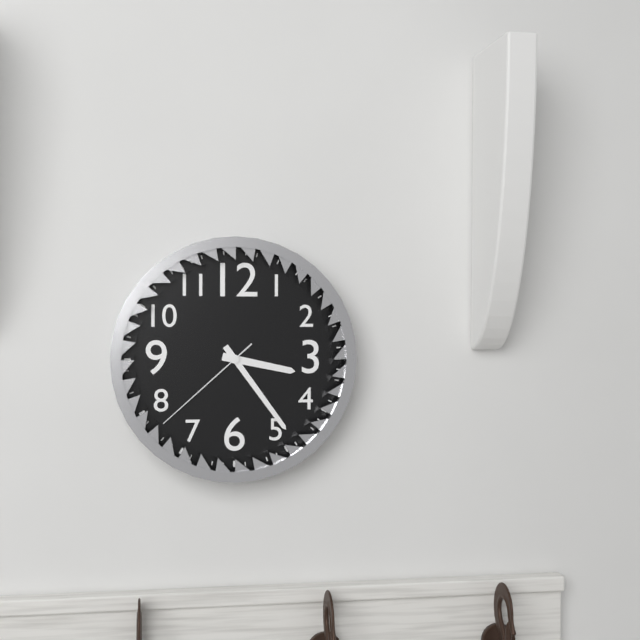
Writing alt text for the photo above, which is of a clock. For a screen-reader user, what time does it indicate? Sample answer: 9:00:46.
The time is 3:24:38
